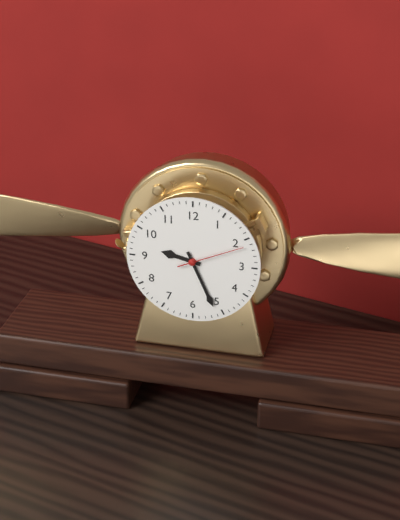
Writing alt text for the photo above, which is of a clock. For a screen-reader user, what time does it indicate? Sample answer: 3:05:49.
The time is 9:26:11
